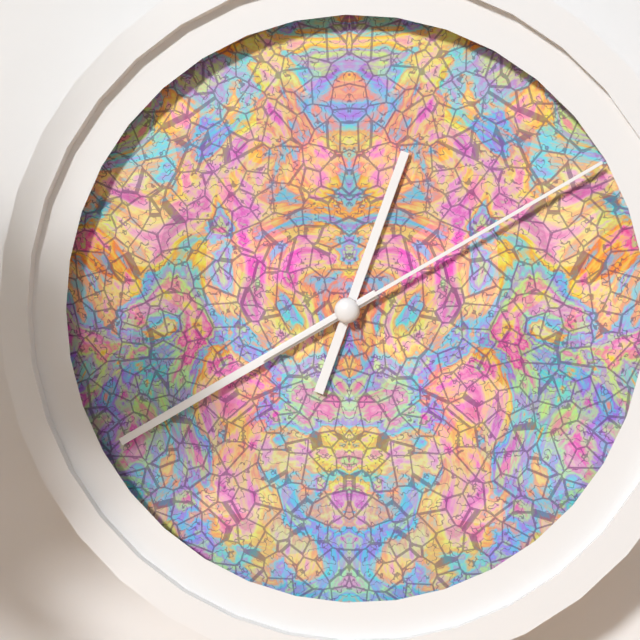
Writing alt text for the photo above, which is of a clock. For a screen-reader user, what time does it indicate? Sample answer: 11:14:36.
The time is 12:40:10
